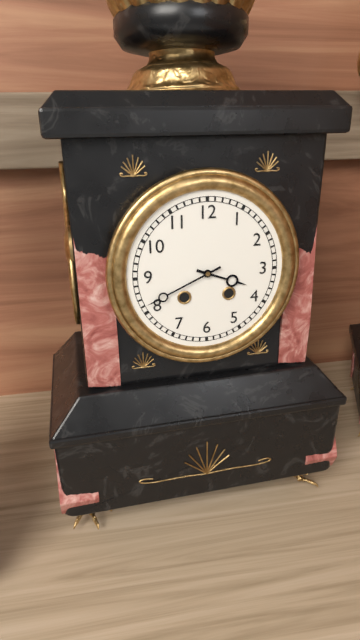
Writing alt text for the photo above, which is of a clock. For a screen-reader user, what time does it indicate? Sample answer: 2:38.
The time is 3:41
